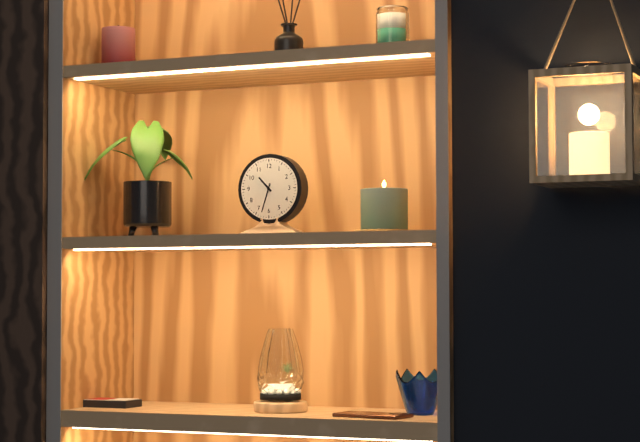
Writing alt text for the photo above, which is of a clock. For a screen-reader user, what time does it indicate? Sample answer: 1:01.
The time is 10:33
